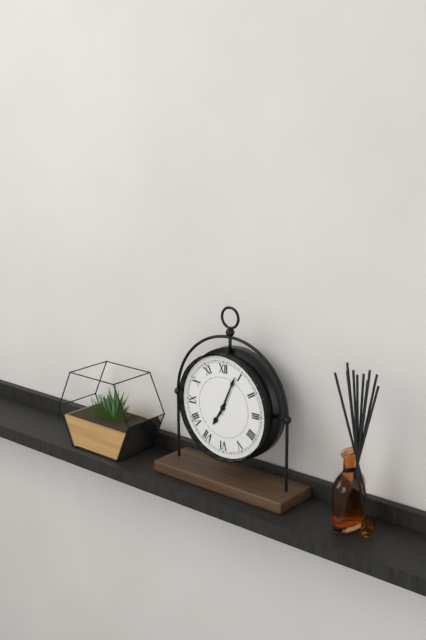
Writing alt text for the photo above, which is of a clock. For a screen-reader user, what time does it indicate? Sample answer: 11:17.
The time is 7:04
